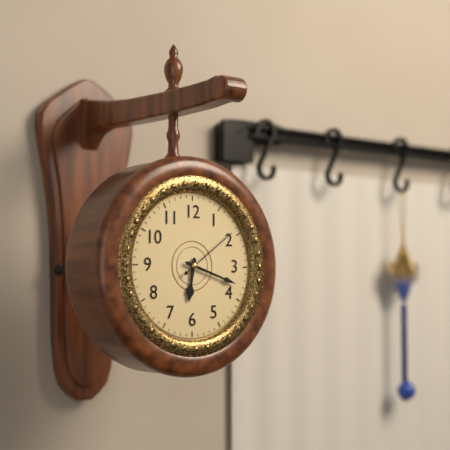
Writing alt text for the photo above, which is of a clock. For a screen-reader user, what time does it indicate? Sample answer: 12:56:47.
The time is 6:18:09
